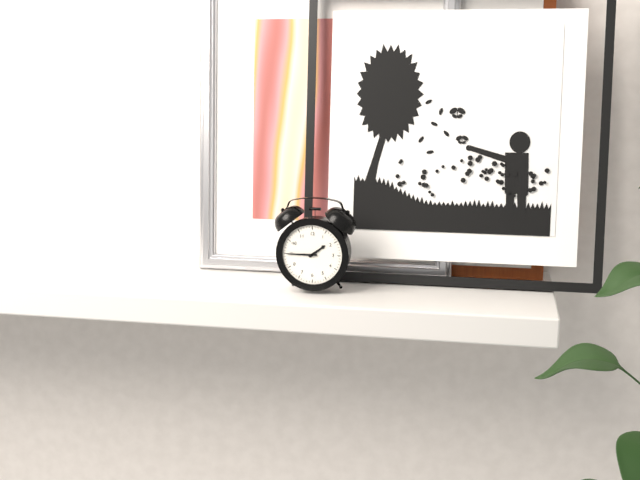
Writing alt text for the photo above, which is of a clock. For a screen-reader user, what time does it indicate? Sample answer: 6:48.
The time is 1:45
